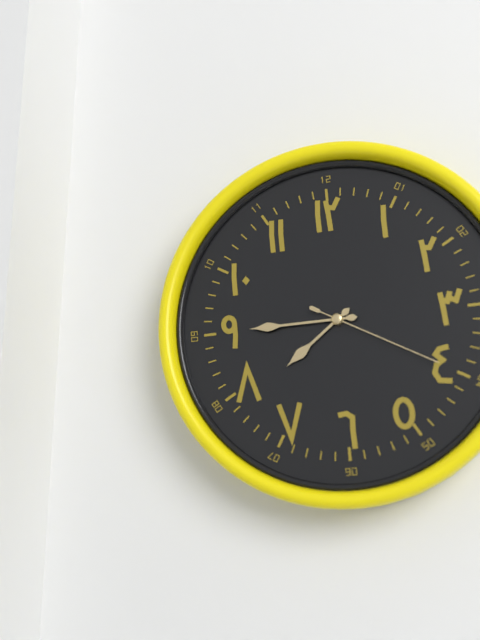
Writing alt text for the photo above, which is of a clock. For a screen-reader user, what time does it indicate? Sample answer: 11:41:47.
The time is 7:45:20
